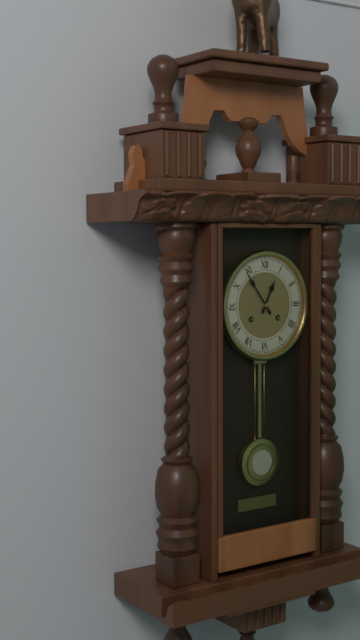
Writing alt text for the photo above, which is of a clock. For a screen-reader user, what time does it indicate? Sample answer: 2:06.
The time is 12:54
